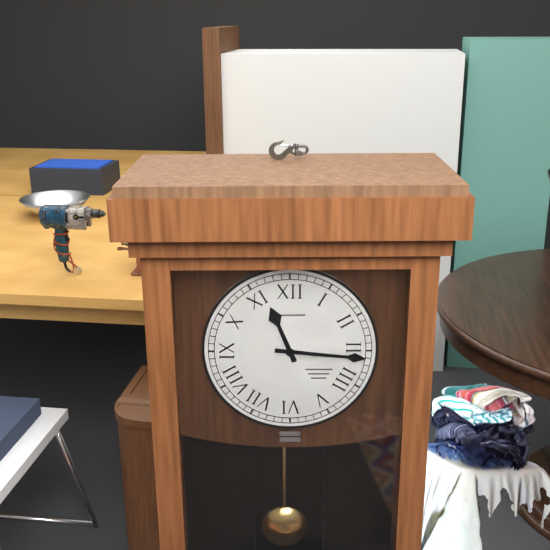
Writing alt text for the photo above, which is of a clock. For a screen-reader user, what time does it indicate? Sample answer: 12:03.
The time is 11:16
